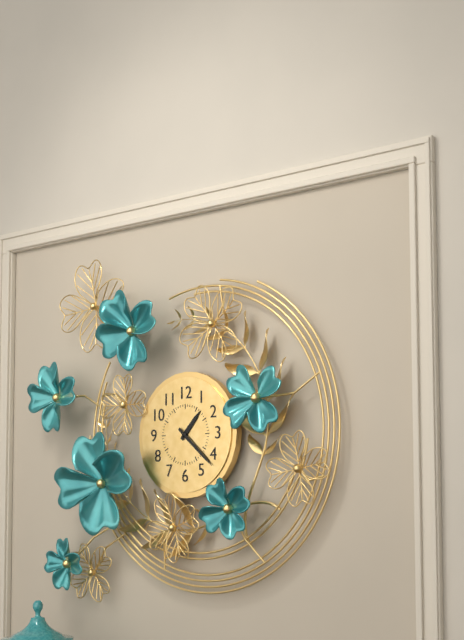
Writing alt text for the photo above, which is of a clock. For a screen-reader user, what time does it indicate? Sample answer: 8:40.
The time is 1:22
